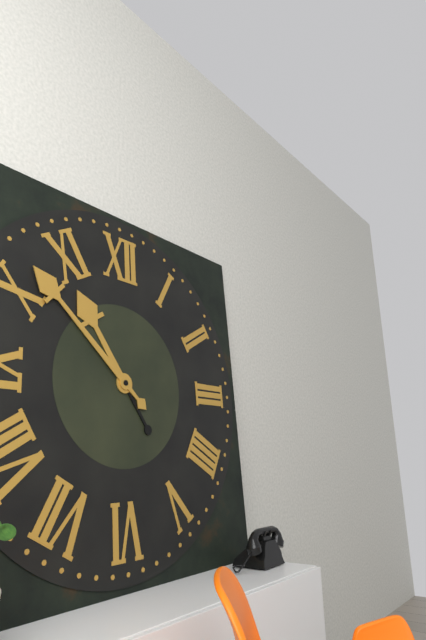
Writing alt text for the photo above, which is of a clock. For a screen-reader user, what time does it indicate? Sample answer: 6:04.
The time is 10:52
